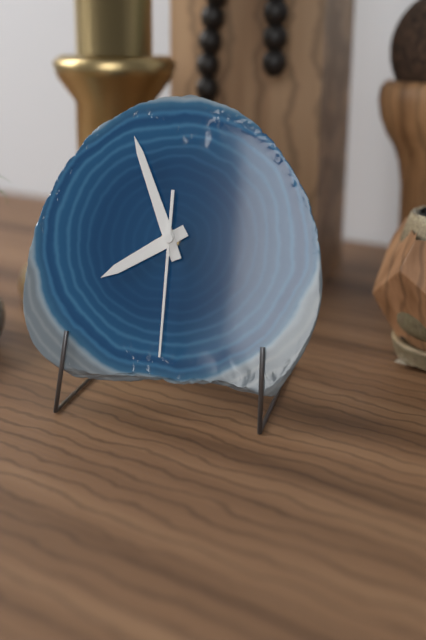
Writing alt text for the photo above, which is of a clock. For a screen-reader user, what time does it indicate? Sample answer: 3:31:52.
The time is 7:56:30
